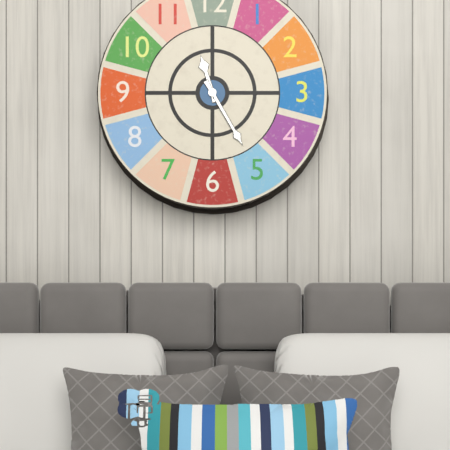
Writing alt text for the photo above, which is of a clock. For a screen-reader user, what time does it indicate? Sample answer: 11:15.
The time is 11:25
